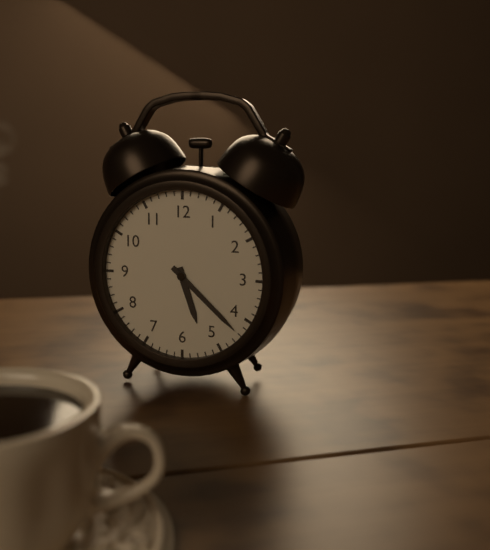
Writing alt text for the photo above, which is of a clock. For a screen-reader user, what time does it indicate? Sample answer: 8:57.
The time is 5:22
